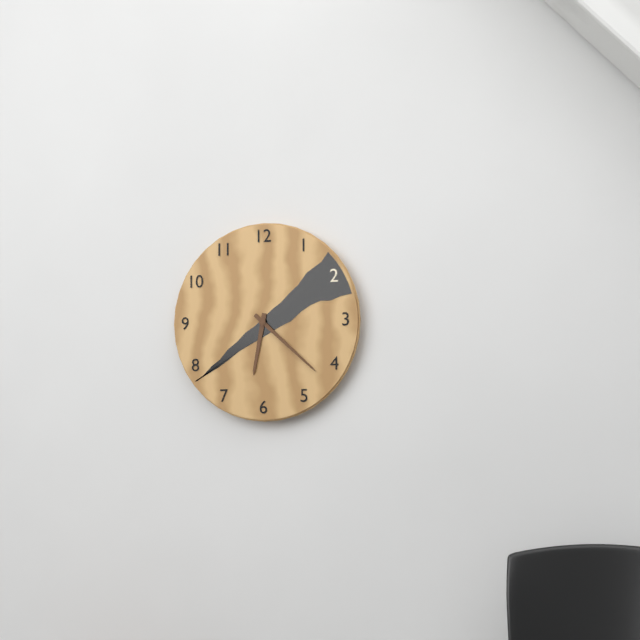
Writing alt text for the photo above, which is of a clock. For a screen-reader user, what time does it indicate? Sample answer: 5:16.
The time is 6:22
